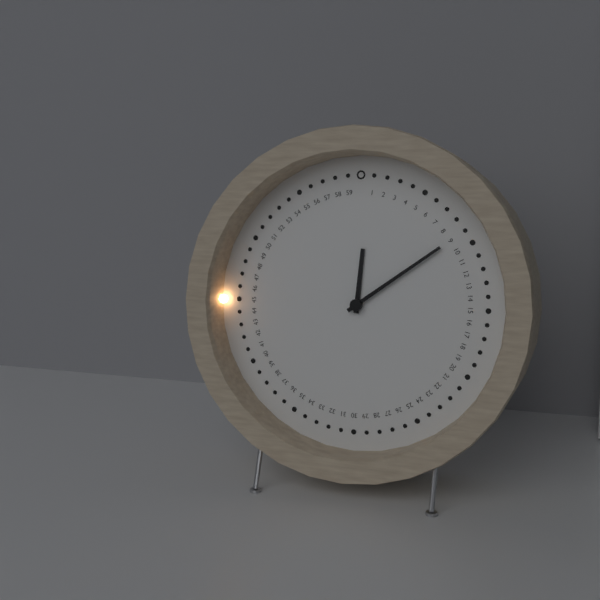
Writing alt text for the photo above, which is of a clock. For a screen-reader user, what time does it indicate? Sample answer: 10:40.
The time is 12:09
